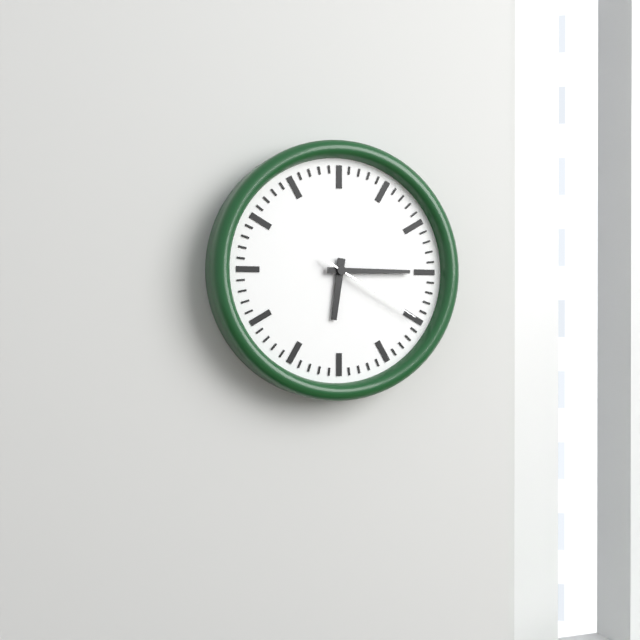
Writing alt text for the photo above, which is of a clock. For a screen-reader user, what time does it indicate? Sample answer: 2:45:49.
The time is 6:15:20
